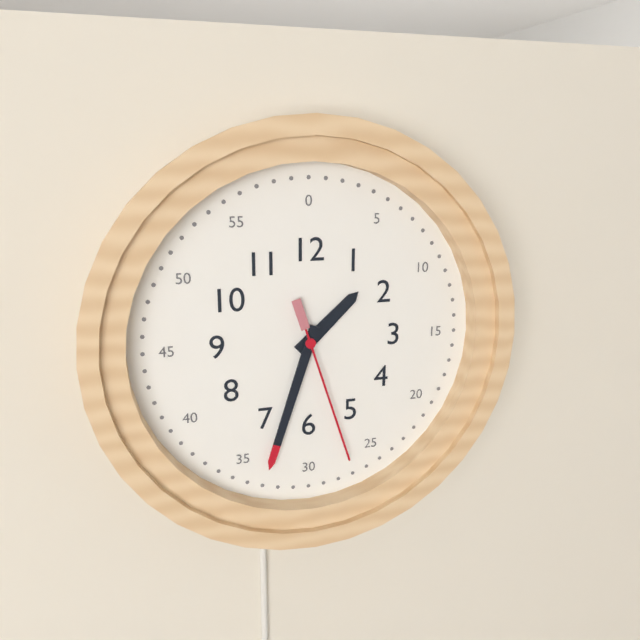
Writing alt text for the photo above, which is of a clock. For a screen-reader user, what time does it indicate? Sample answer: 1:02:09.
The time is 1:33:27
